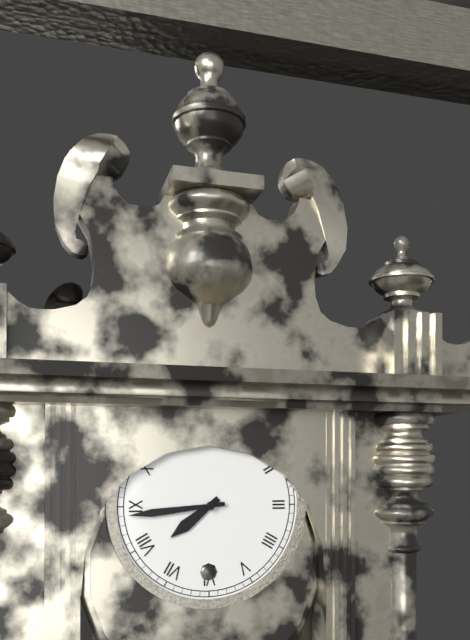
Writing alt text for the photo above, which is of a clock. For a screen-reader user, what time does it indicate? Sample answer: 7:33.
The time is 7:44
